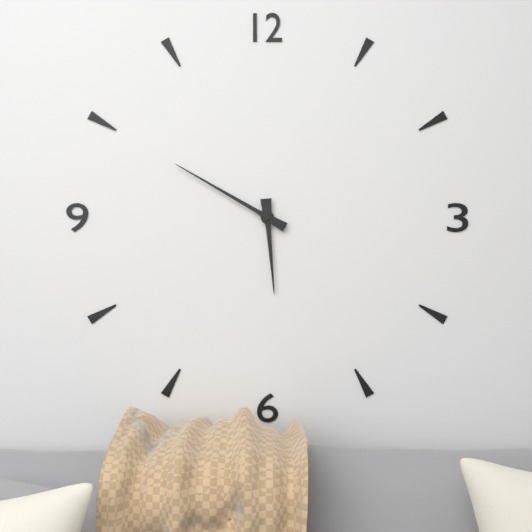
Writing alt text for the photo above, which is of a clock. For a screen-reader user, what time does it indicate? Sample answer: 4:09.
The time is 5:50
